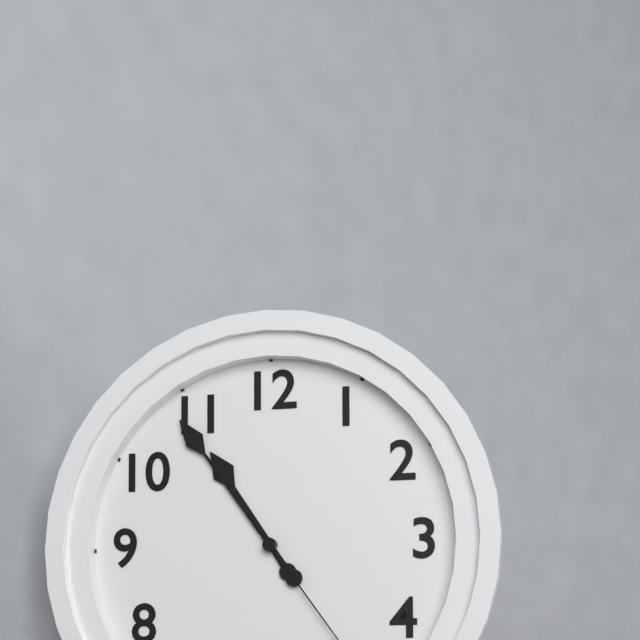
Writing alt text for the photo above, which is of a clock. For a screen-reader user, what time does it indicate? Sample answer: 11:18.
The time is 10:54
